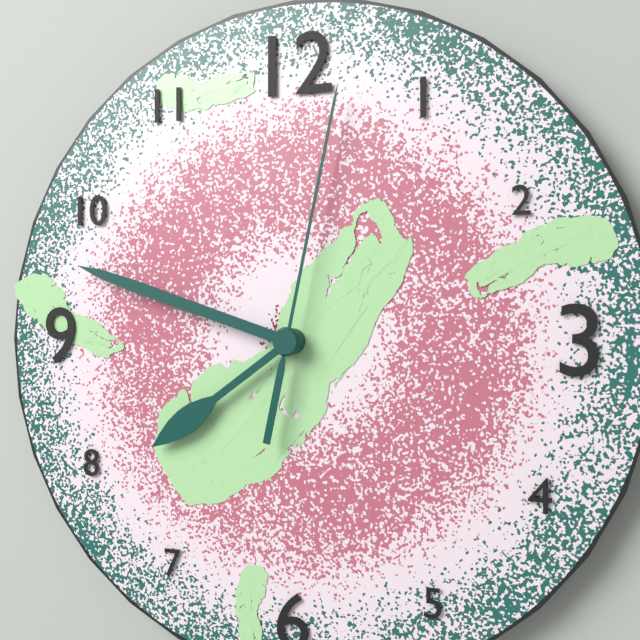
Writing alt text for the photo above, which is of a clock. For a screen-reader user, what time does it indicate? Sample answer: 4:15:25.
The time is 7:48:02
